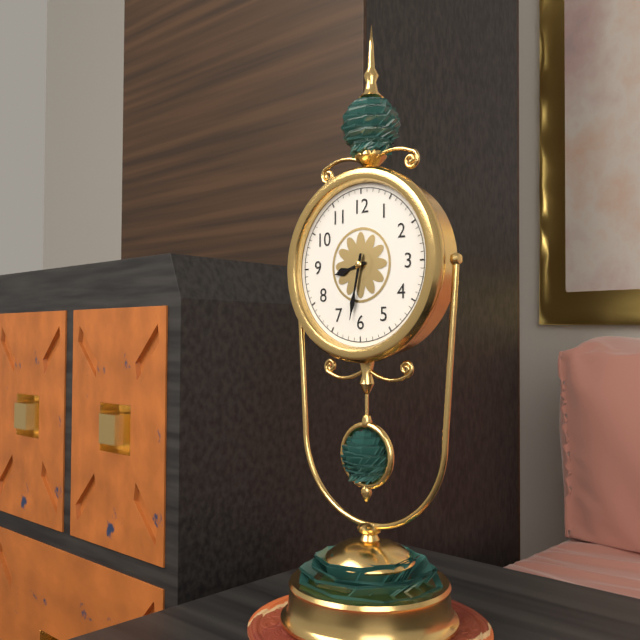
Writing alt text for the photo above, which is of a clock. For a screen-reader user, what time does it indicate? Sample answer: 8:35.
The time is 8:32
